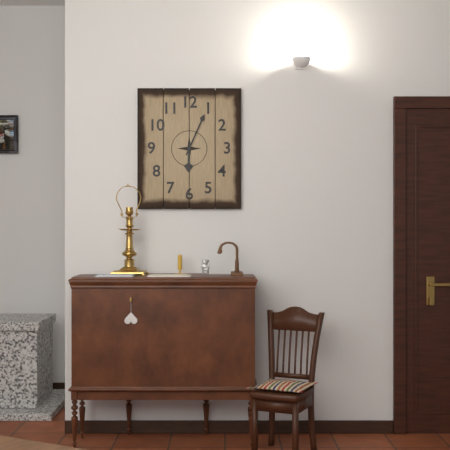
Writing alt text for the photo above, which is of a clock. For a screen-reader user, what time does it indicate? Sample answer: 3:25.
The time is 6:04
